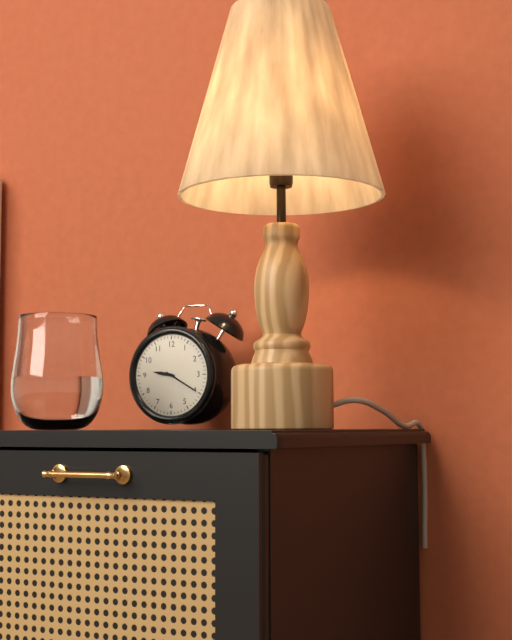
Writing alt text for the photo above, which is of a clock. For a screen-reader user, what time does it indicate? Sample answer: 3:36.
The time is 9:20
